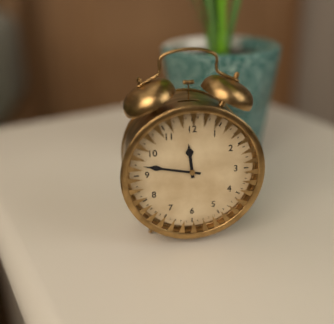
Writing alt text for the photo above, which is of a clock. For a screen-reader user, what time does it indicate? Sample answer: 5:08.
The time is 11:47
